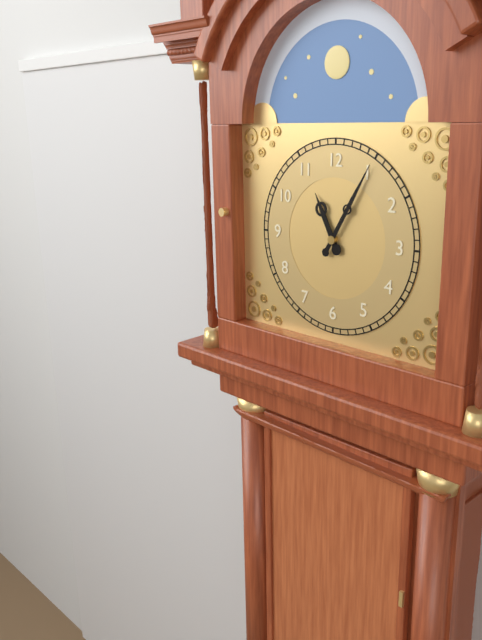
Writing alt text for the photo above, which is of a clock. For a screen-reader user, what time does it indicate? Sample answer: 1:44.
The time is 11:05
